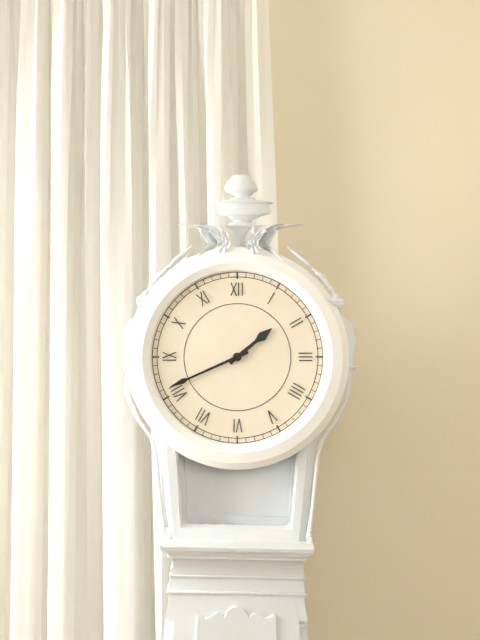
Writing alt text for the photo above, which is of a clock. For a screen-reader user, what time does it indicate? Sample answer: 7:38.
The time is 1:41
